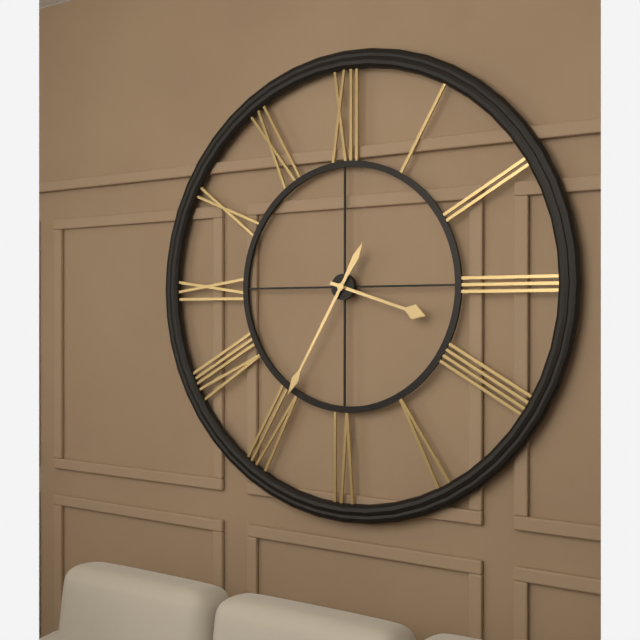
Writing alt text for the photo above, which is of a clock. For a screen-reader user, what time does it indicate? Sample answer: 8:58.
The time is 3:35
